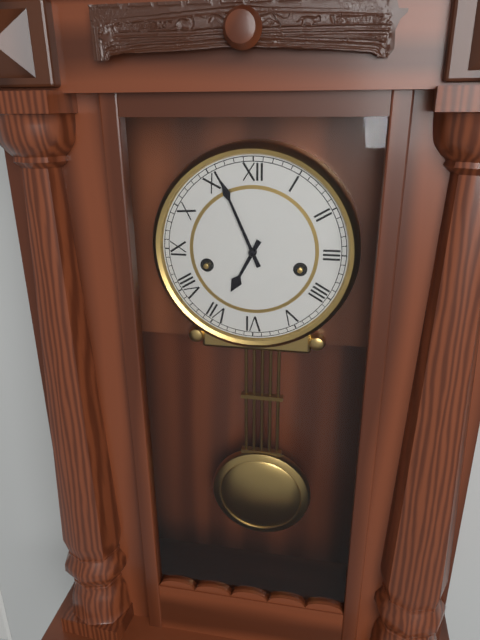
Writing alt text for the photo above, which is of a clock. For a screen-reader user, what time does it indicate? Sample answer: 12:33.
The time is 6:56
